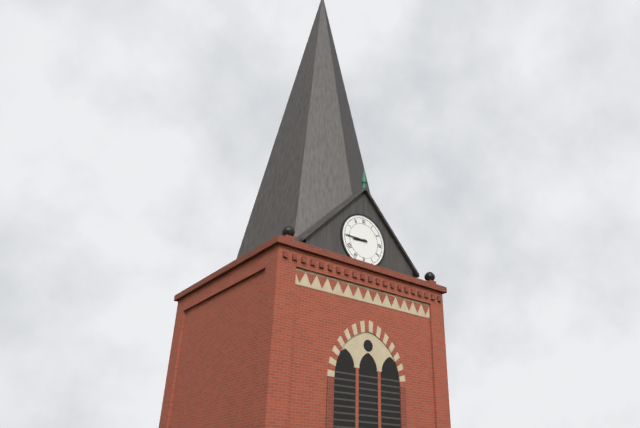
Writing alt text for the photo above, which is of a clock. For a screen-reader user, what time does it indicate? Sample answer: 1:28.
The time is 8:45
